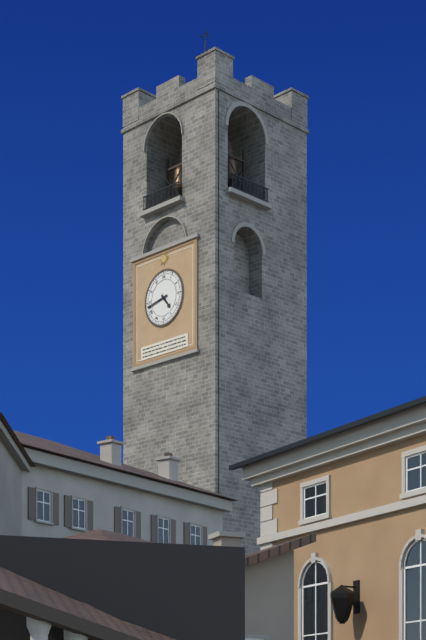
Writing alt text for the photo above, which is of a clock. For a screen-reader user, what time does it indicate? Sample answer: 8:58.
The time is 4:43
